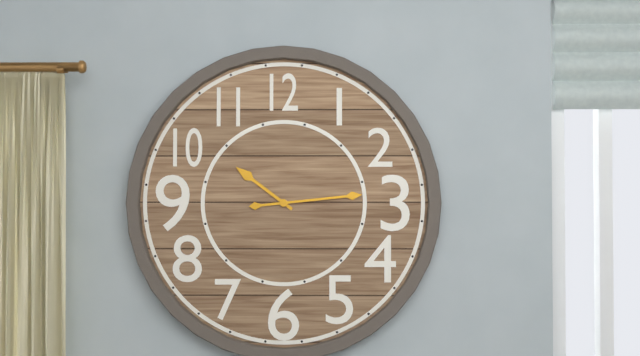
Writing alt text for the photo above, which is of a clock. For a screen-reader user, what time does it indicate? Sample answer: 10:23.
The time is 10:14
